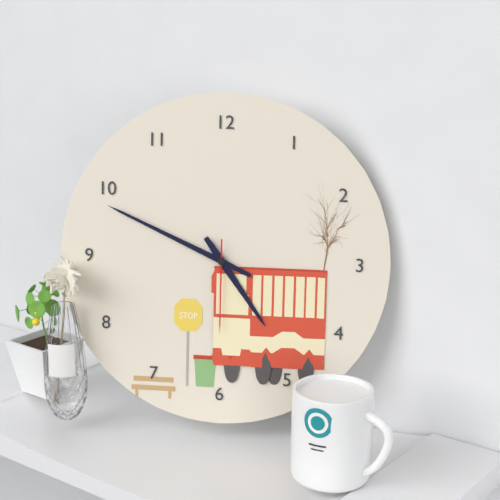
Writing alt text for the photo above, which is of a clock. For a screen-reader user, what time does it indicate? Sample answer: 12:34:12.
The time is 4:49:30
